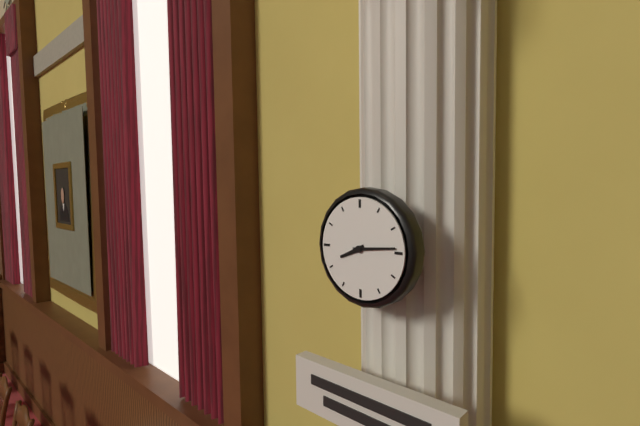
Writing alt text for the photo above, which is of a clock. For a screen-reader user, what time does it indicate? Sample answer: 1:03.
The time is 8:14
